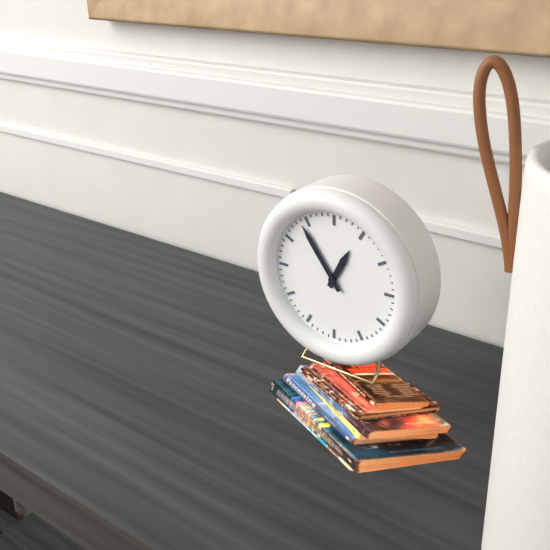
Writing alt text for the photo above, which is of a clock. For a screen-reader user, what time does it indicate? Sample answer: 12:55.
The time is 12:54
